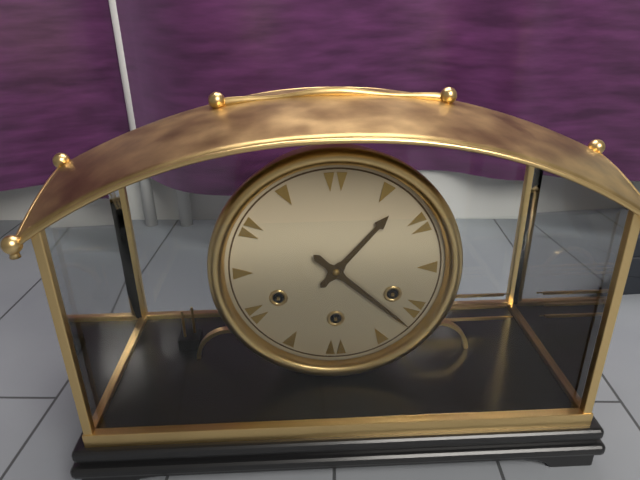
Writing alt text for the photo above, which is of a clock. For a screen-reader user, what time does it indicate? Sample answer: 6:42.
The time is 1:22
